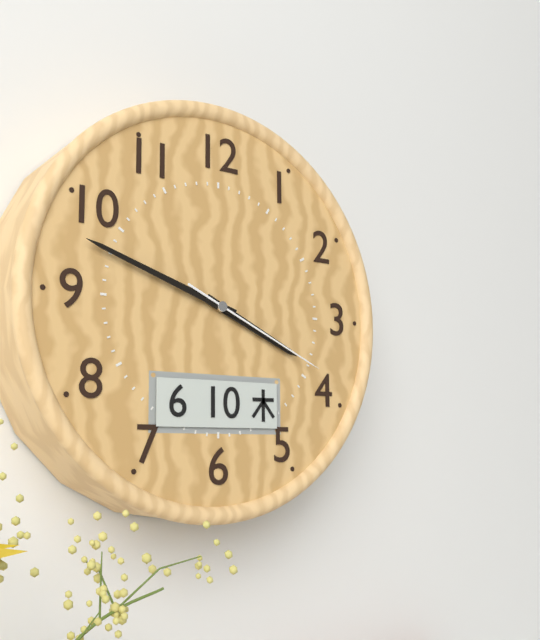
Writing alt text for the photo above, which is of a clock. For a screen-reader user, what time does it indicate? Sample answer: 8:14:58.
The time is 3:48:19
